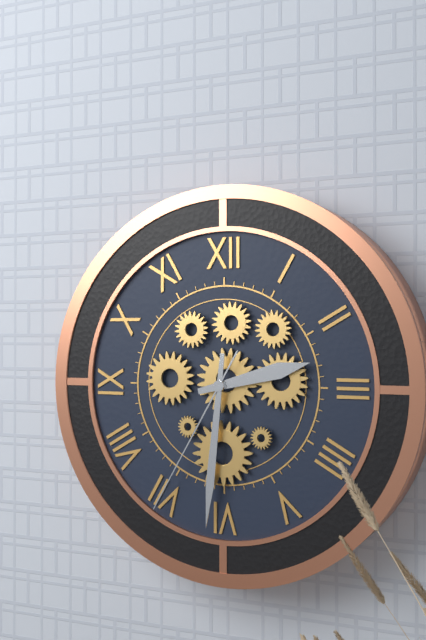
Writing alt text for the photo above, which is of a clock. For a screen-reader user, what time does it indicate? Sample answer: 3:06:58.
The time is 2:31:35
